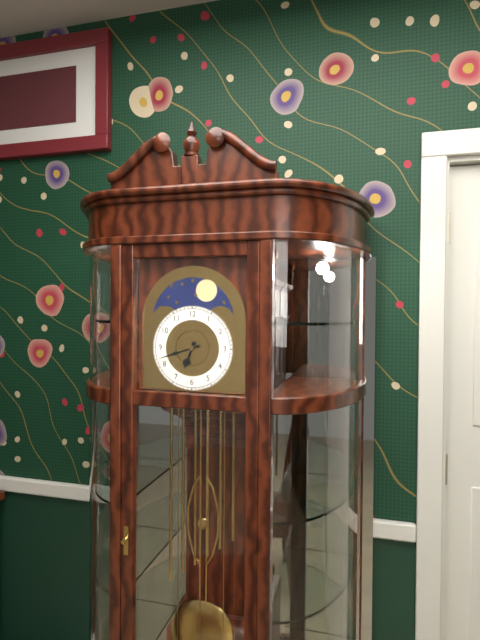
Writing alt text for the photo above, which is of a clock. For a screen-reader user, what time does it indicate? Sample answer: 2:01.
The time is 6:42
